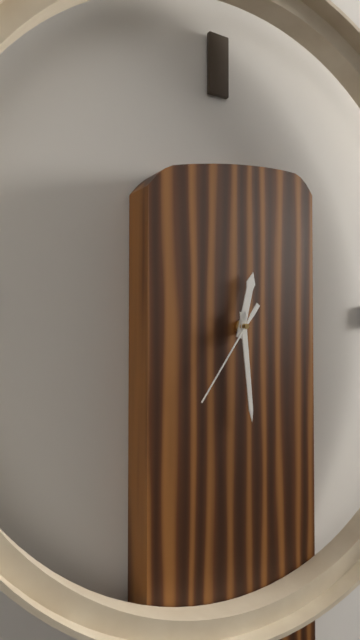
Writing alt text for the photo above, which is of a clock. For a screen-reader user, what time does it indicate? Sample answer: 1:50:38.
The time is 12:29:36
